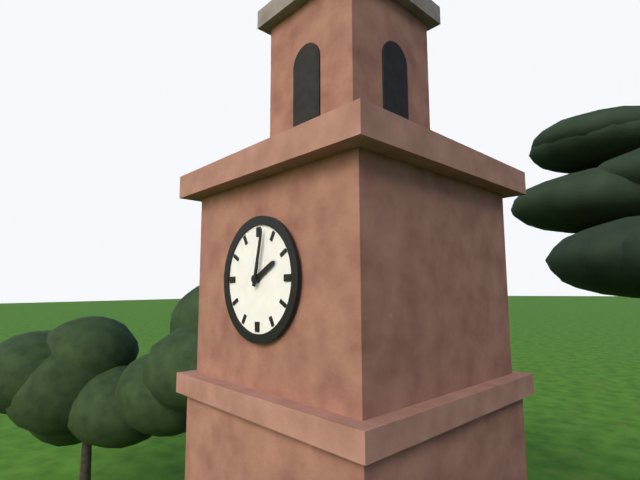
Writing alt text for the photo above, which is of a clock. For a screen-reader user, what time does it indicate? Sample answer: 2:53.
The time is 2:02
